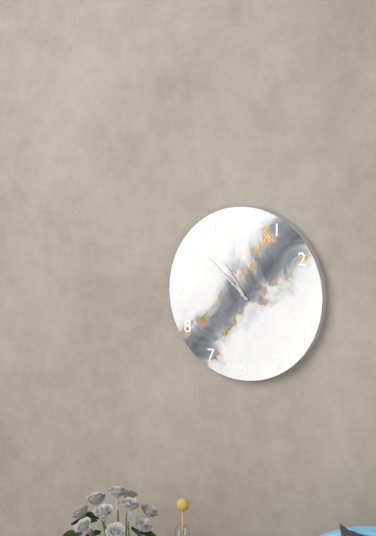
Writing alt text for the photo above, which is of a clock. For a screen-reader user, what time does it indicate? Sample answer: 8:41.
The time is 10:52
